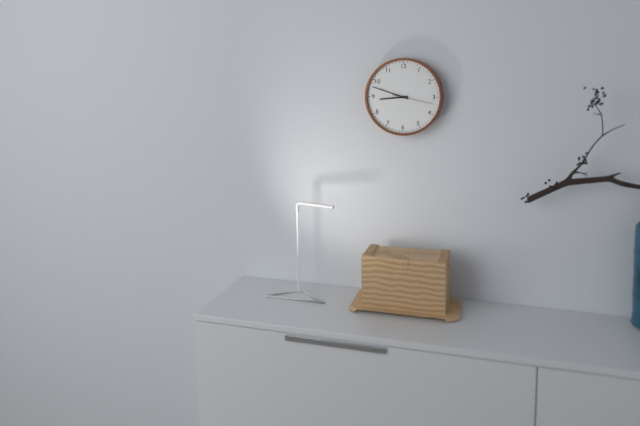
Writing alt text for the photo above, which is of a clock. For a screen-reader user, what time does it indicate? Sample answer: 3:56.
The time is 8:48
